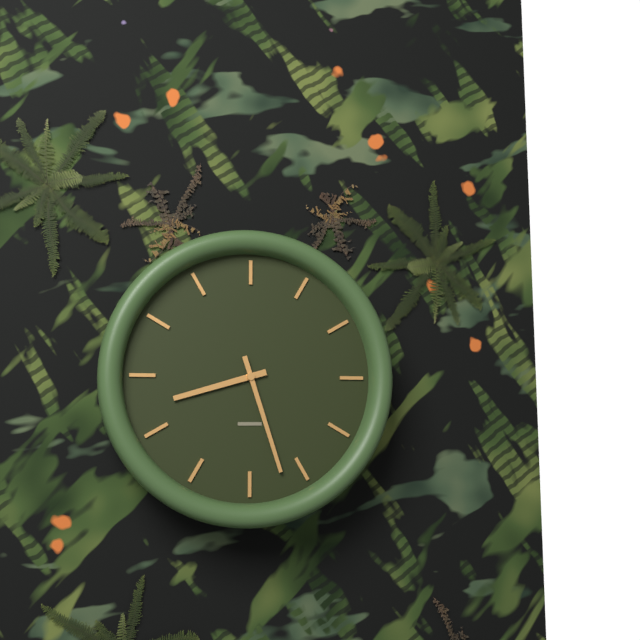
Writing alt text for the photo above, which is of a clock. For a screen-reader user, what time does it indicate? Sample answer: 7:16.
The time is 8:27
